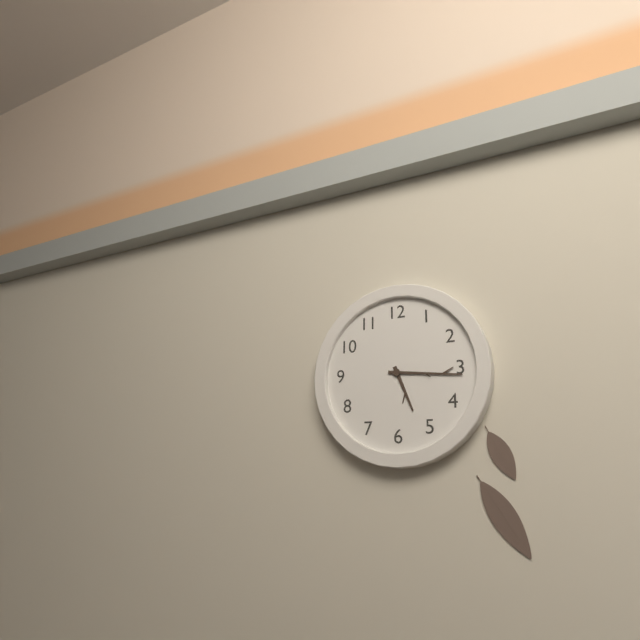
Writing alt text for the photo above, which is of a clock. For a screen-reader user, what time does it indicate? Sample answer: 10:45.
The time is 5:16
